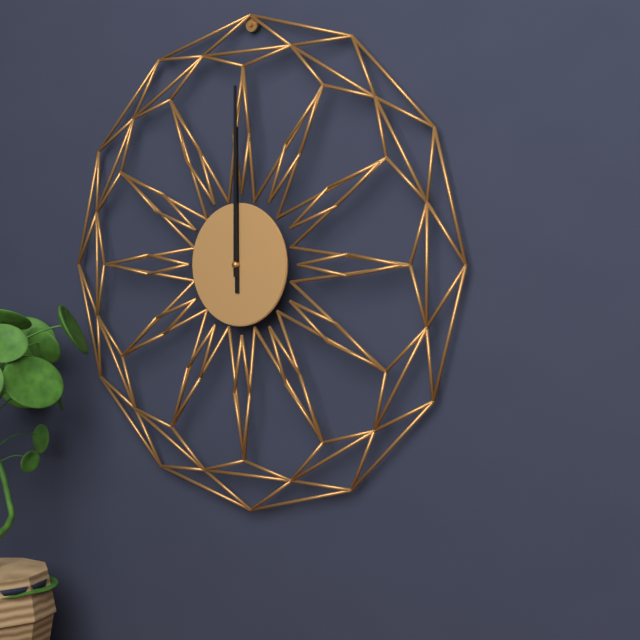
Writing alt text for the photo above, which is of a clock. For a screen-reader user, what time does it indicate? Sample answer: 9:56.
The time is 12:00
